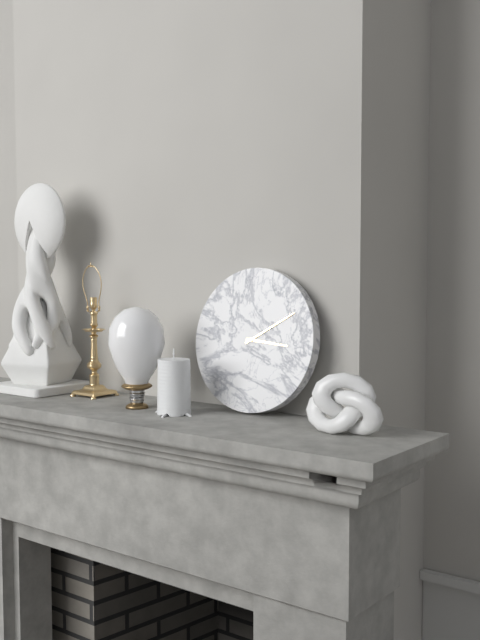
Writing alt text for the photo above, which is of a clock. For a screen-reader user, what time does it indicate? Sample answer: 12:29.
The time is 3:10
